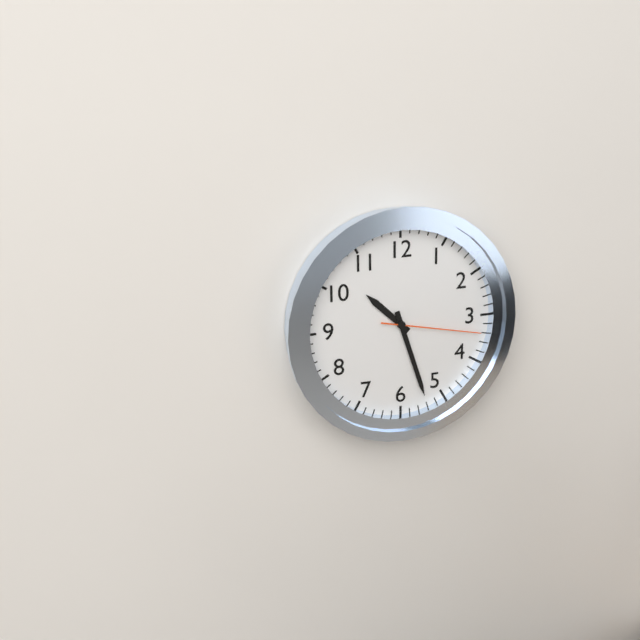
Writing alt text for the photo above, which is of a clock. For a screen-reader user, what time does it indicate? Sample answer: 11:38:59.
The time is 10:27:17
